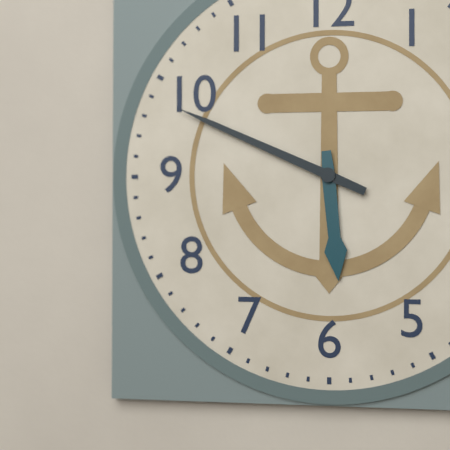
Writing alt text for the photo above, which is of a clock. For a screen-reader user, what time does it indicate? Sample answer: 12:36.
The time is 5:49
